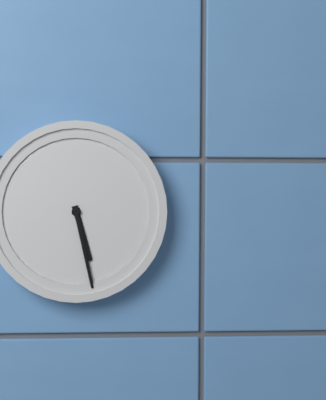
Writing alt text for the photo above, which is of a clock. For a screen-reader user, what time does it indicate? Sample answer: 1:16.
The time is 5:28
